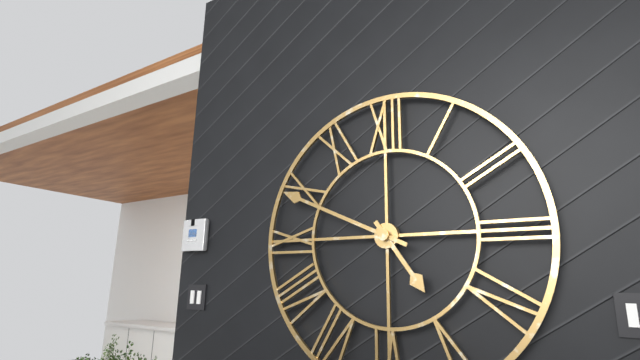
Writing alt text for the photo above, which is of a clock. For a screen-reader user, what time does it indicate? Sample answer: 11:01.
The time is 4:49
